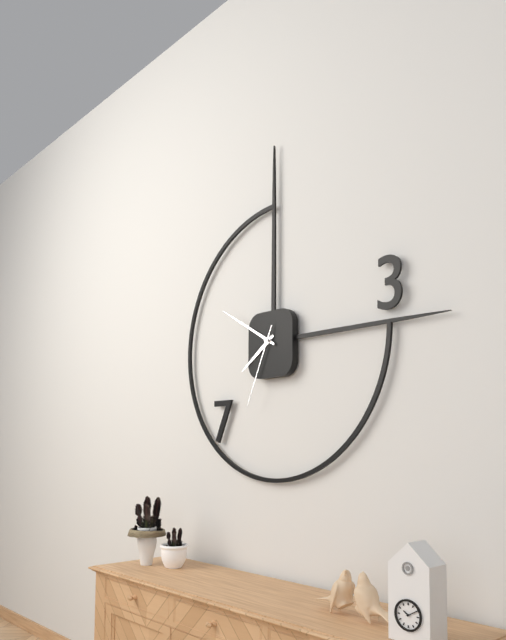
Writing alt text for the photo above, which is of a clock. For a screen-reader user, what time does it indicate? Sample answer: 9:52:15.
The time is 7:50:34
